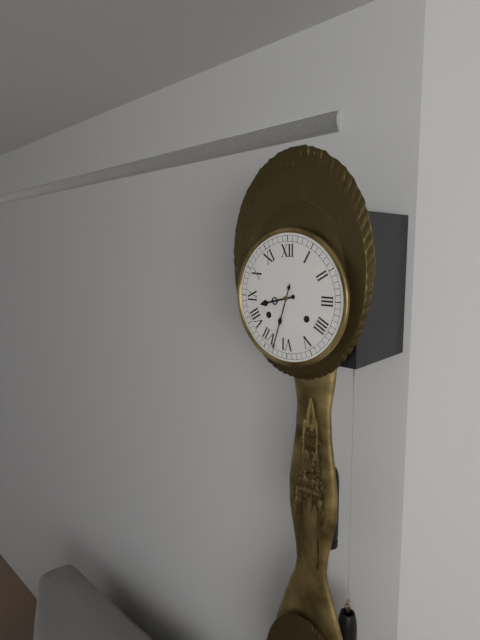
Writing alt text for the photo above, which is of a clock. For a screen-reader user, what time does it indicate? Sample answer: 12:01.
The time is 8:33
